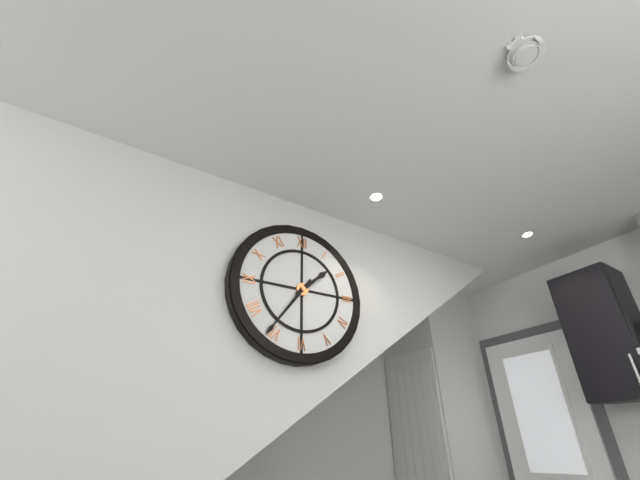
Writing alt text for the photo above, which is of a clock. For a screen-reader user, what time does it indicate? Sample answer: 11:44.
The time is 1:36
